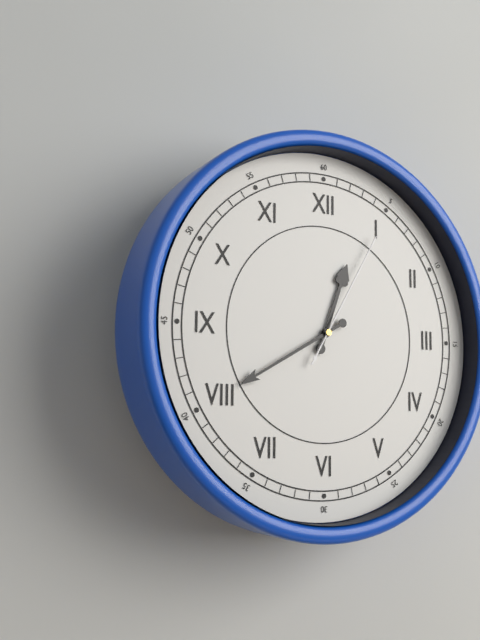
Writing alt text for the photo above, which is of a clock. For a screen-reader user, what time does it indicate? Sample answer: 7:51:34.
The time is 12:40:05
